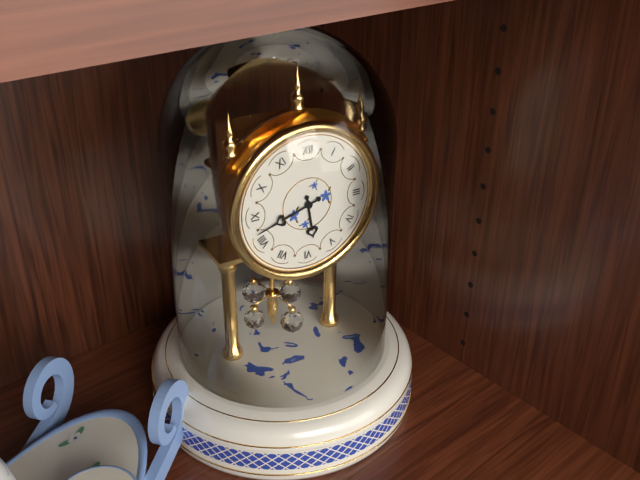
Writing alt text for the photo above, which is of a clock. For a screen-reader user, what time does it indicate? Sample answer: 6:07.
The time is 5:42
